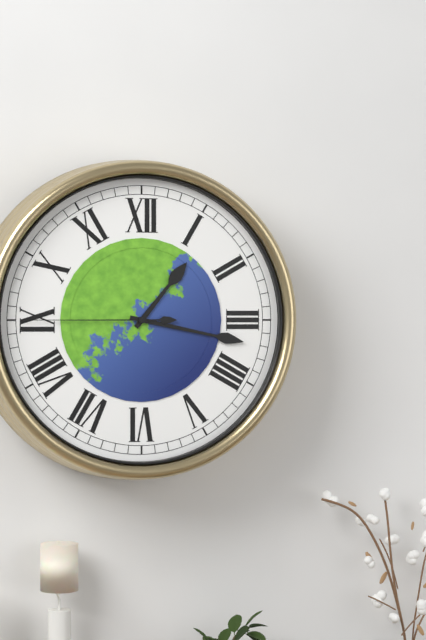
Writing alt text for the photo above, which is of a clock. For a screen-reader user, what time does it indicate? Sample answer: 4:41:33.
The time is 1:17:45
